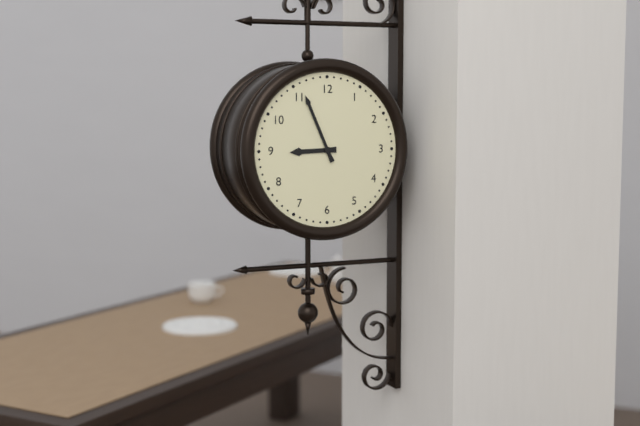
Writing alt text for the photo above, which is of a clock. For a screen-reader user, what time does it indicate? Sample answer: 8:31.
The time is 8:56
